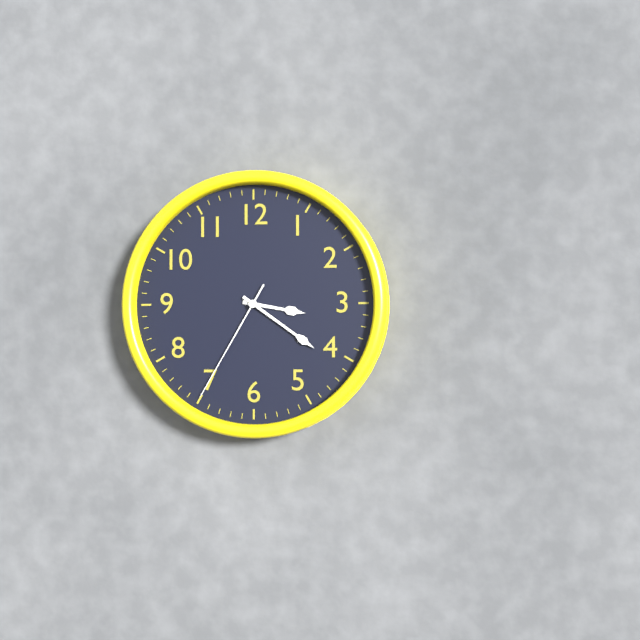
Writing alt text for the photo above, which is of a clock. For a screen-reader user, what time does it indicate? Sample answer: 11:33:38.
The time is 3:21:35
